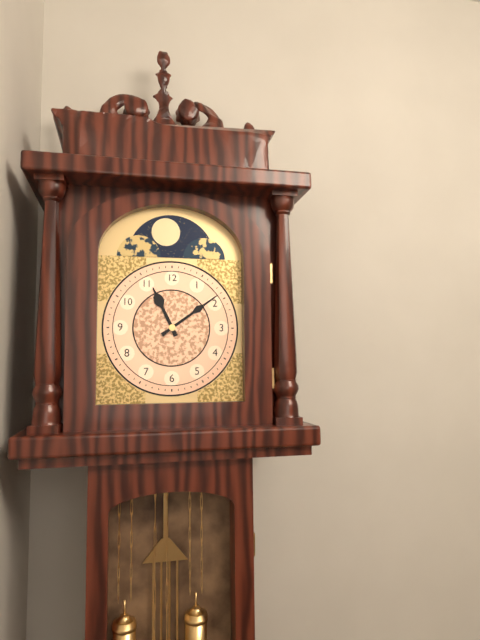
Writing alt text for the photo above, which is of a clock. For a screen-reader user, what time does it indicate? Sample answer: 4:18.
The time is 11:09
